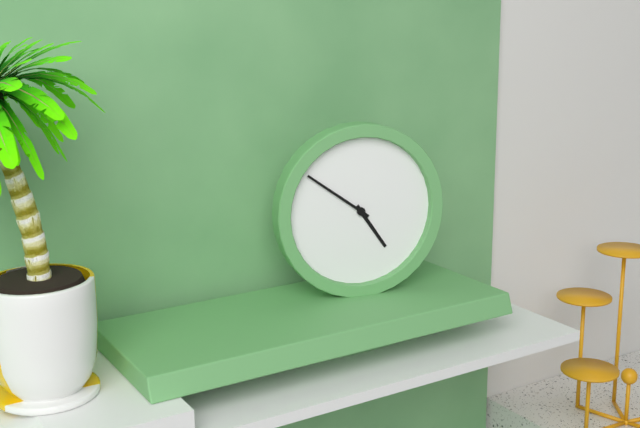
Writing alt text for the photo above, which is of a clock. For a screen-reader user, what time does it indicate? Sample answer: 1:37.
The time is 4:51
